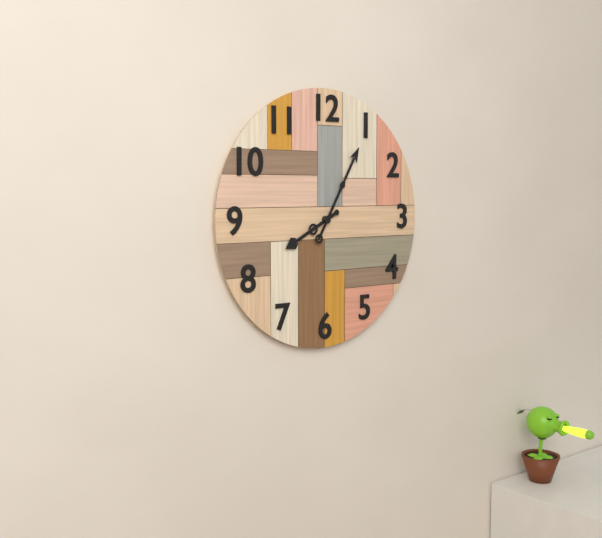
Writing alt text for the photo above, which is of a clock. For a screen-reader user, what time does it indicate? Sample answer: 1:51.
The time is 8:05
